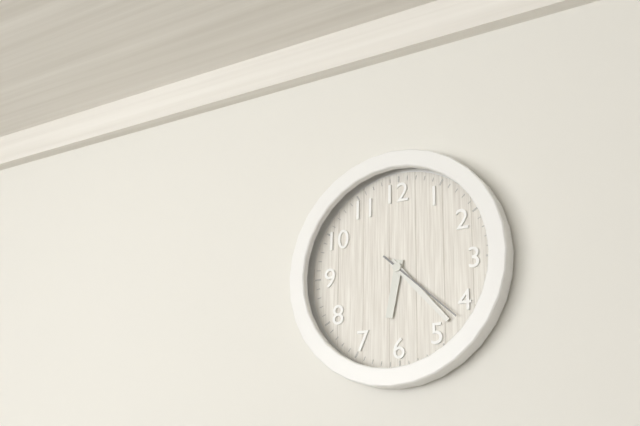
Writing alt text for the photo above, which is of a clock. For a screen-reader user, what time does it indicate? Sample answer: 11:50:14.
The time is 6:23:22
